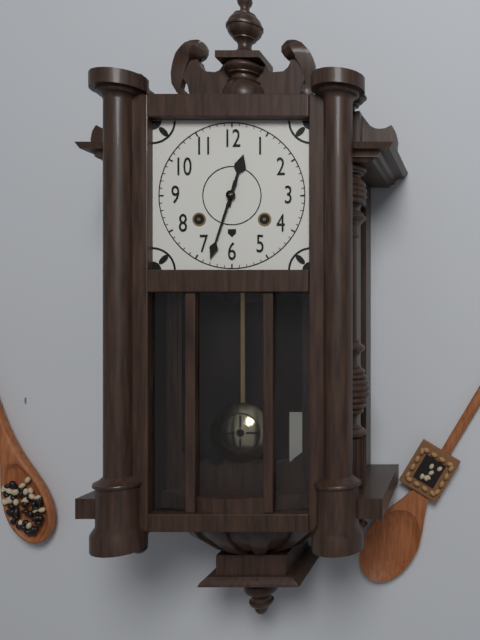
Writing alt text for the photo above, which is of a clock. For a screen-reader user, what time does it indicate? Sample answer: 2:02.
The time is 12:33
